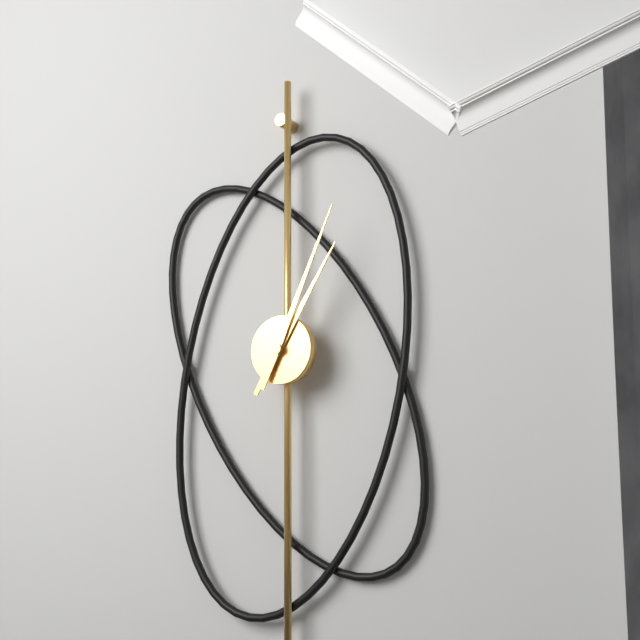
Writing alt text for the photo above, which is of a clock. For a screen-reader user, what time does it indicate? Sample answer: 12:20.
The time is 1:04
